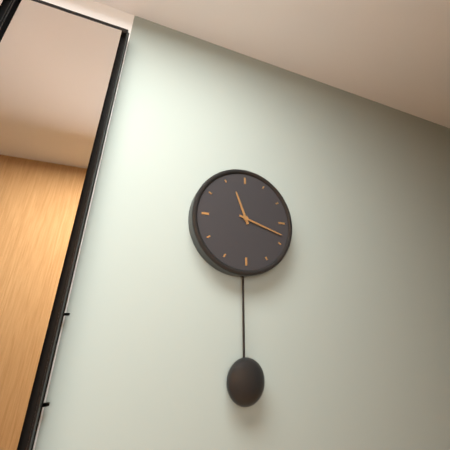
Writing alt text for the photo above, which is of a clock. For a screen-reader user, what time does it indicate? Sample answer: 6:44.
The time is 11:18
